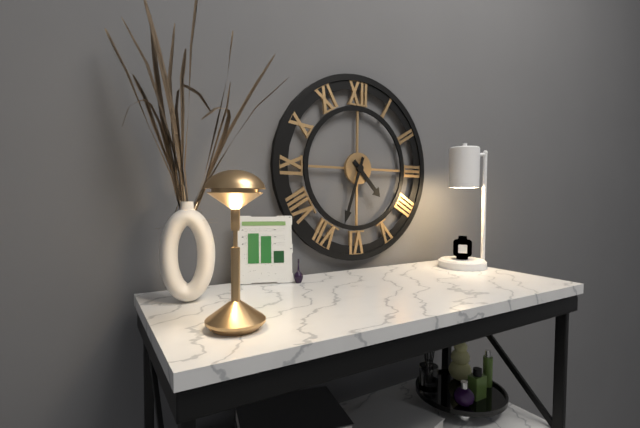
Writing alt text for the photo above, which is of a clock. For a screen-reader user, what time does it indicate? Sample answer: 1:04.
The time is 4:33
